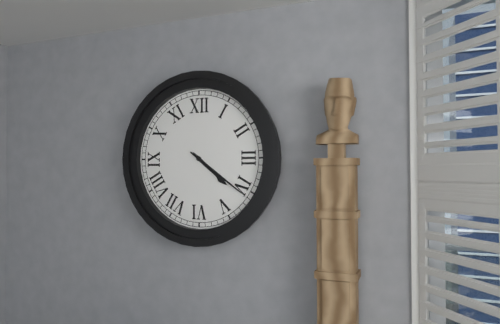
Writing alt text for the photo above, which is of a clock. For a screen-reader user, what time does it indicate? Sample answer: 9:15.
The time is 4:21
